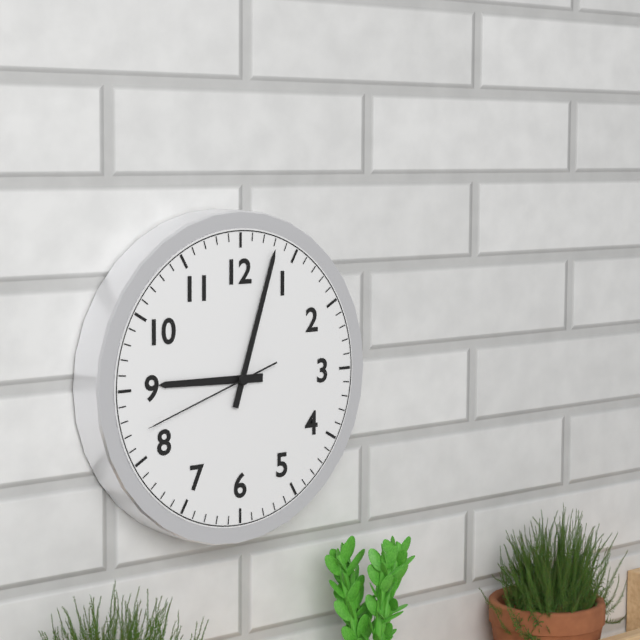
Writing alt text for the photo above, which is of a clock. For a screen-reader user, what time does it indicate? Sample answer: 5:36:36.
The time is 9:03:42
